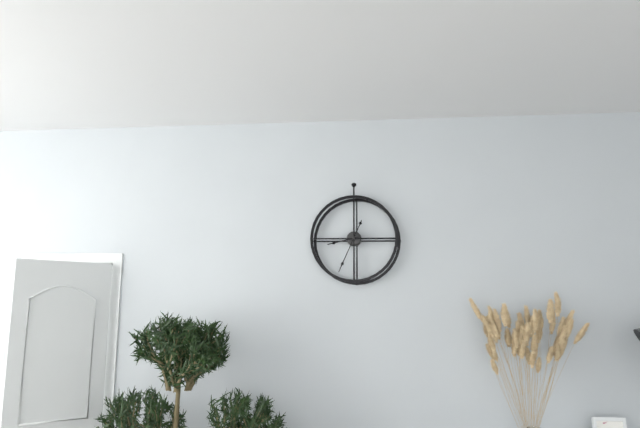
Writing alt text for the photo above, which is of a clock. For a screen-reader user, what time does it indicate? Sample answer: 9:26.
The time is 8:34
